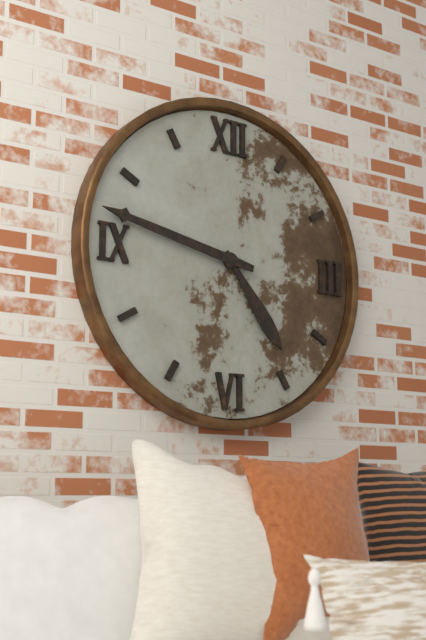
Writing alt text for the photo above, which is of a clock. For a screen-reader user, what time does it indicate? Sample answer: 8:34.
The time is 4:47
